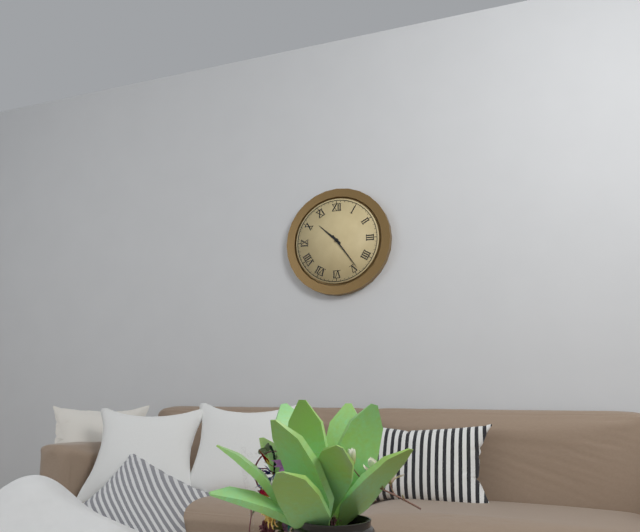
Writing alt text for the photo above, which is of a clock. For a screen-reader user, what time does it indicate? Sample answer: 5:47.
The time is 10:24
